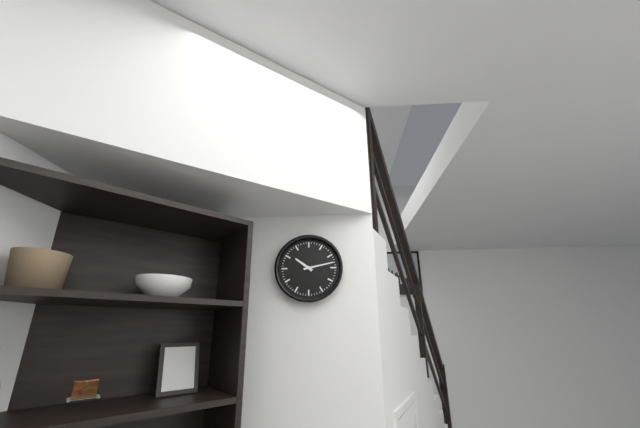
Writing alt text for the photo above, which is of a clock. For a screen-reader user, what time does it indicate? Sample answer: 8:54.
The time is 10:13
